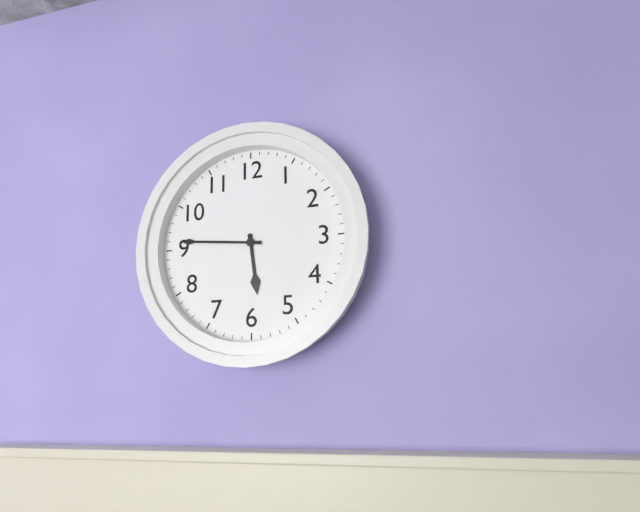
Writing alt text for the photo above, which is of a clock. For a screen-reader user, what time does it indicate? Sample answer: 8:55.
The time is 5:46
